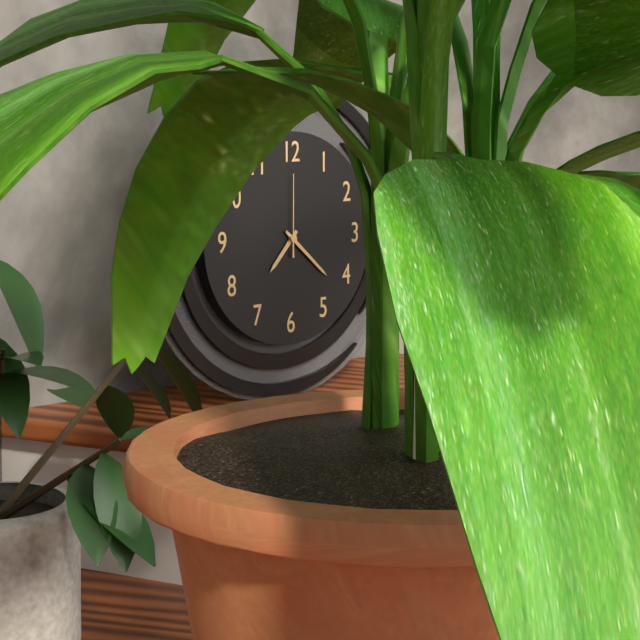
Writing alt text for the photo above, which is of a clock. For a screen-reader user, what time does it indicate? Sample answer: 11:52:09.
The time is 7:22:00
